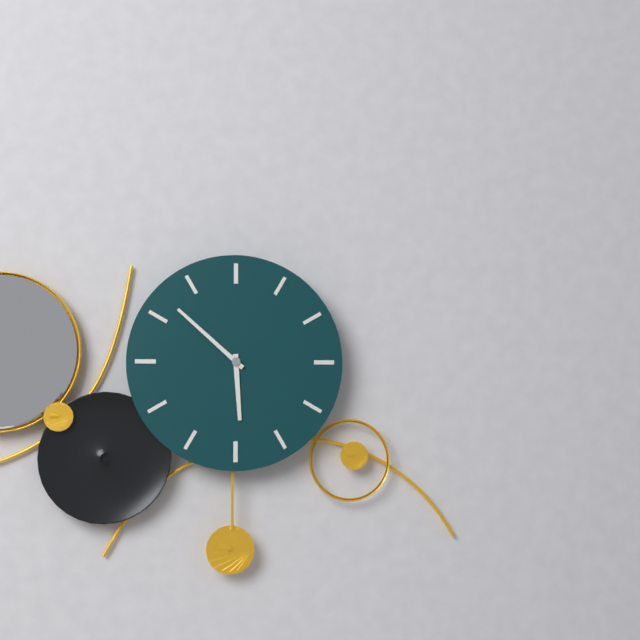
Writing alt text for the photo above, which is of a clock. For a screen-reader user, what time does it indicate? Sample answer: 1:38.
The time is 5:52
